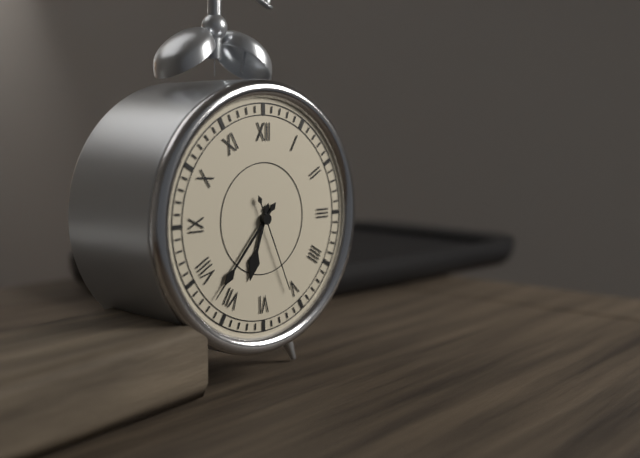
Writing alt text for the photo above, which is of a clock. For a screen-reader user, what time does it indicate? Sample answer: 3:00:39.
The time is 6:37:26
